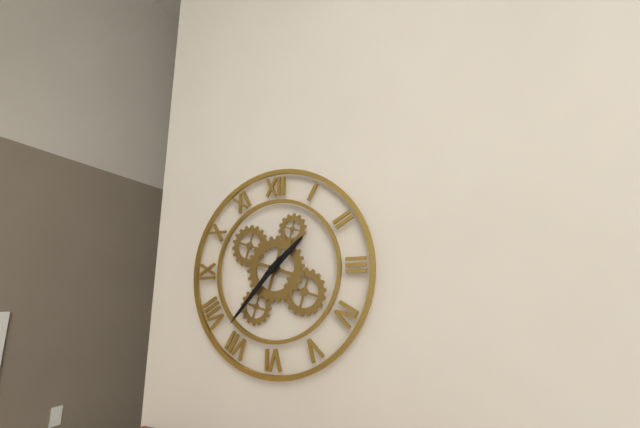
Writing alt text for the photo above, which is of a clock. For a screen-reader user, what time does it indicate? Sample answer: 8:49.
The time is 1:37
